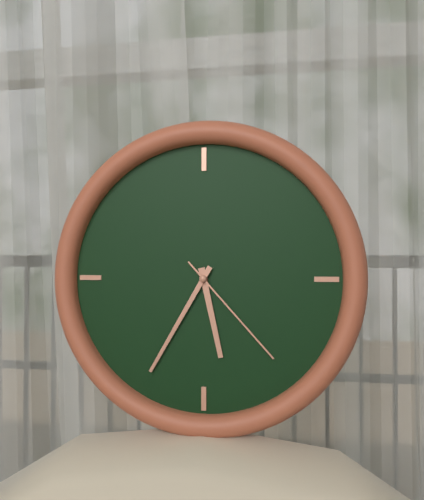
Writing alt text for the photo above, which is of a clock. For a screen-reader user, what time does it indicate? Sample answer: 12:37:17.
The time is 5:35:23
